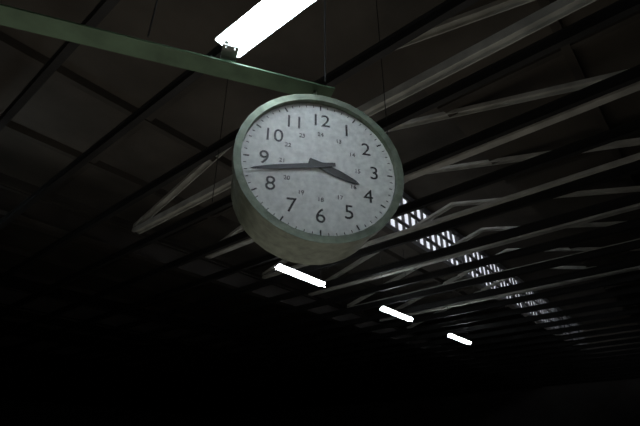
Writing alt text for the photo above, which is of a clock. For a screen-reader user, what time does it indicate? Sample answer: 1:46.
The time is 3:43
